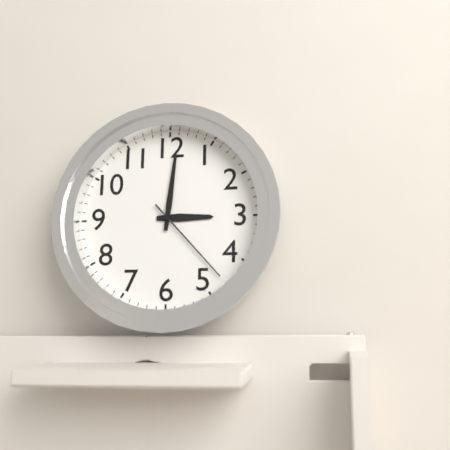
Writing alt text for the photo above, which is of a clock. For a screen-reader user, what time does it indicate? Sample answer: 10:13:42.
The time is 3:01:23
